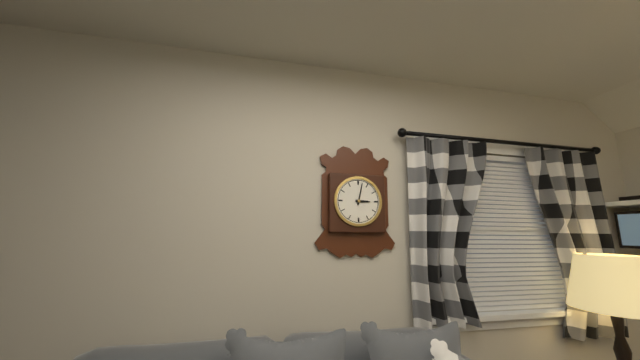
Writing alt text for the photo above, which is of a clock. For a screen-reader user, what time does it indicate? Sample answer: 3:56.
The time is 3:02
